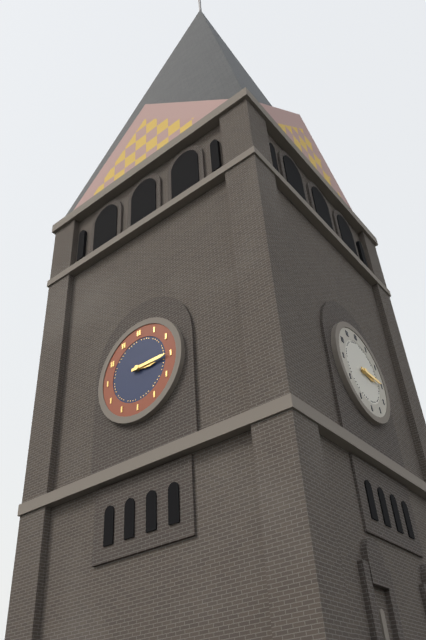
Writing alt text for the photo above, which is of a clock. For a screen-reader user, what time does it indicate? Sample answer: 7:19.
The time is 3:15
